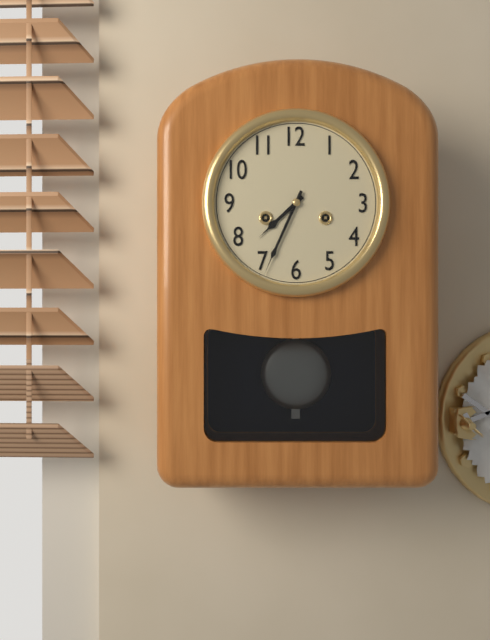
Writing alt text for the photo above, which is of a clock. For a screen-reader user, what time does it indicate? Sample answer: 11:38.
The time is 7:34
